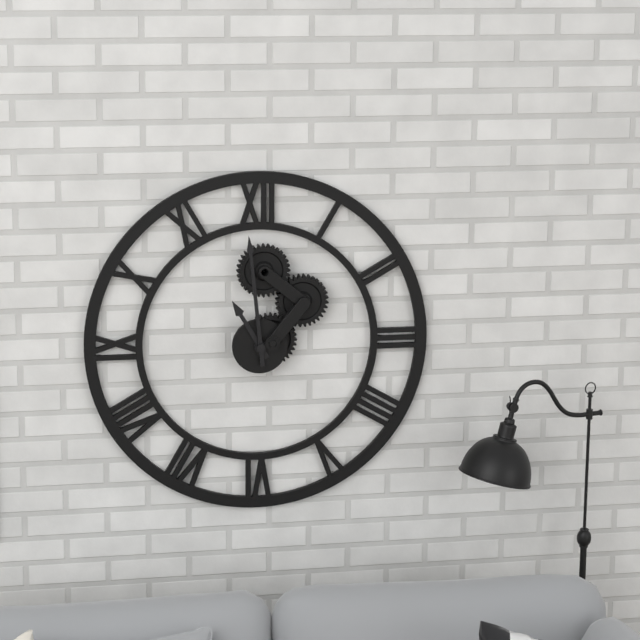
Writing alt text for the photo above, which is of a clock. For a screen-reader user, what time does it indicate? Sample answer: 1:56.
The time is 10:59
